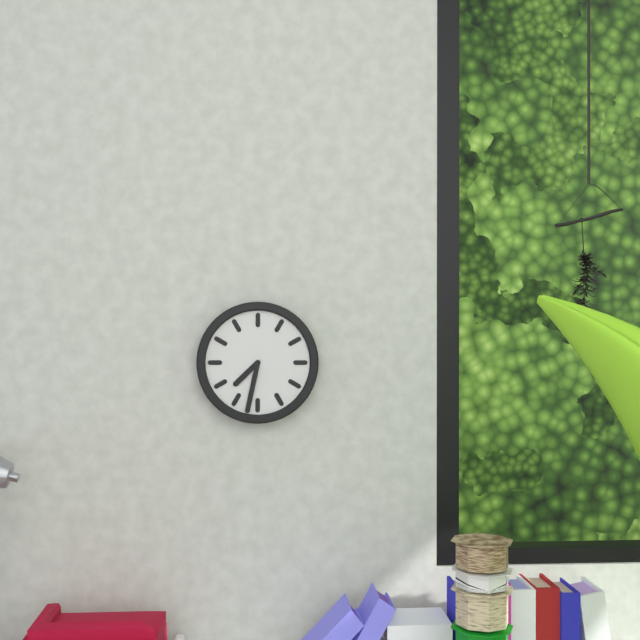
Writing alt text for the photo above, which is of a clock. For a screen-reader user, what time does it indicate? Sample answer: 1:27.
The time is 7:32
